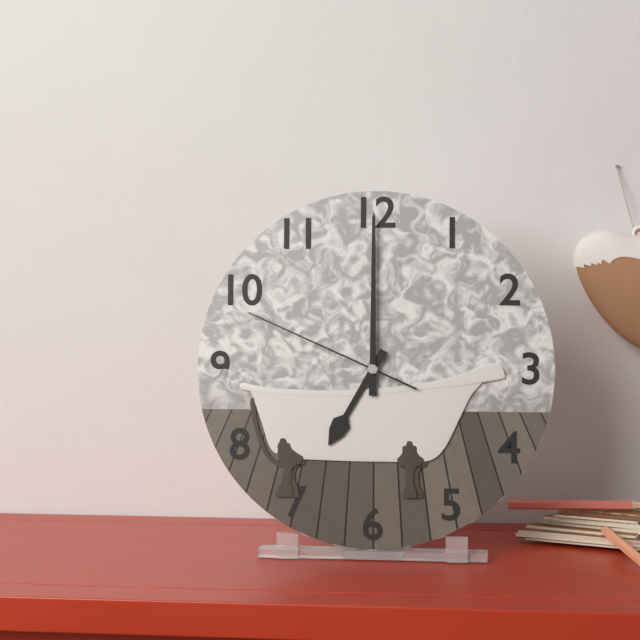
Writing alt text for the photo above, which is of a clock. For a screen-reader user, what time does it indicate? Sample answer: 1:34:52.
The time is 7:00:49
